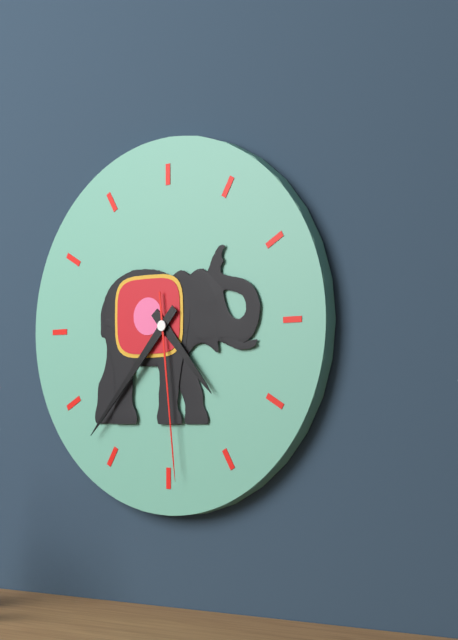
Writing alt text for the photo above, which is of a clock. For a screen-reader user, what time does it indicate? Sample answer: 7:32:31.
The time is 4:37:29
